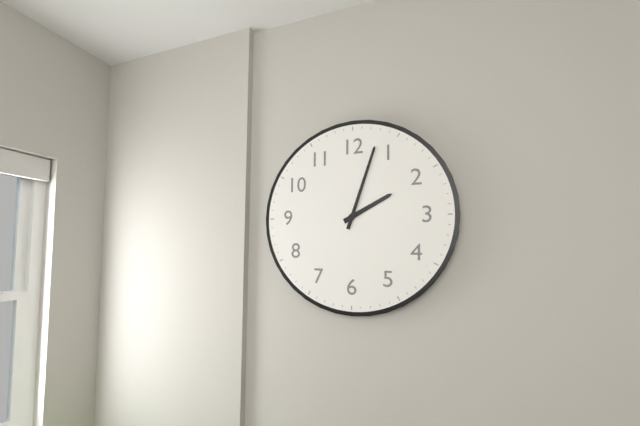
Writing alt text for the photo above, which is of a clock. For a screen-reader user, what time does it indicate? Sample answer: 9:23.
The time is 2:03
